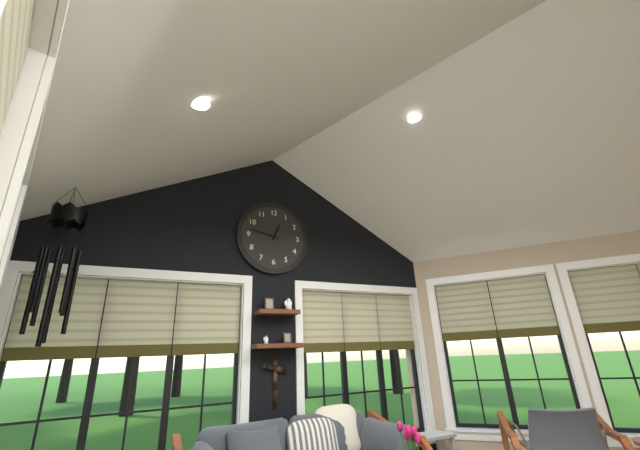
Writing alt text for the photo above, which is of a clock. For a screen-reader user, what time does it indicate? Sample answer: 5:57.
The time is 12:47
